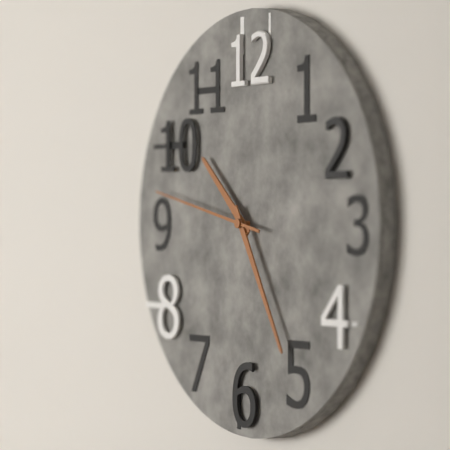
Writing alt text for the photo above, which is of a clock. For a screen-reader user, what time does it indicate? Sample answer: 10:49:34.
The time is 10:25:47
